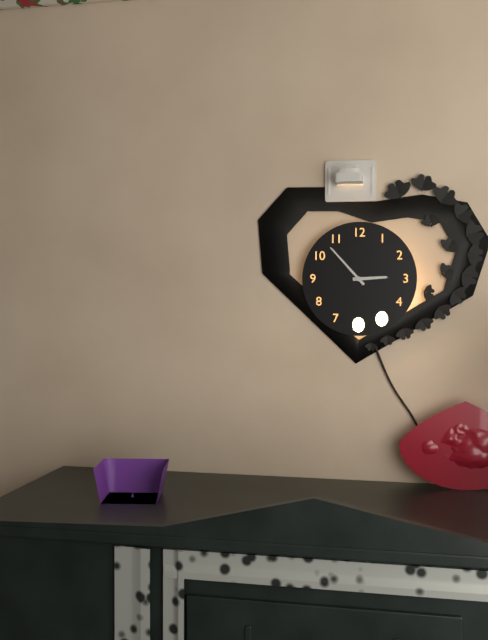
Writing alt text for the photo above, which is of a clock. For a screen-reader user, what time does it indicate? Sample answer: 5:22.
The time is 2:53
